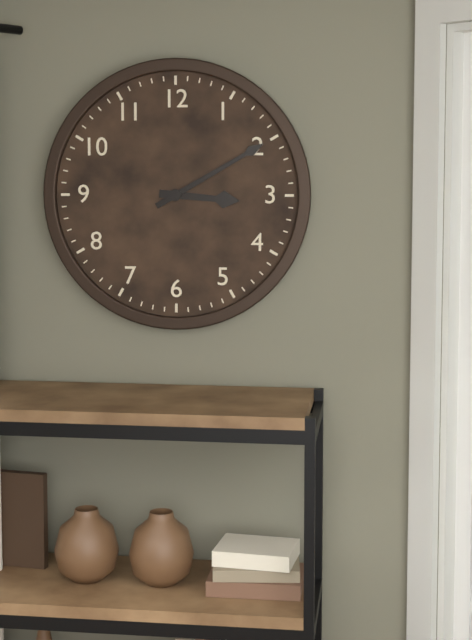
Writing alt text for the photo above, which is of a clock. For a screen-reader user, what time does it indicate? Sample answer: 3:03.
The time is 3:10
